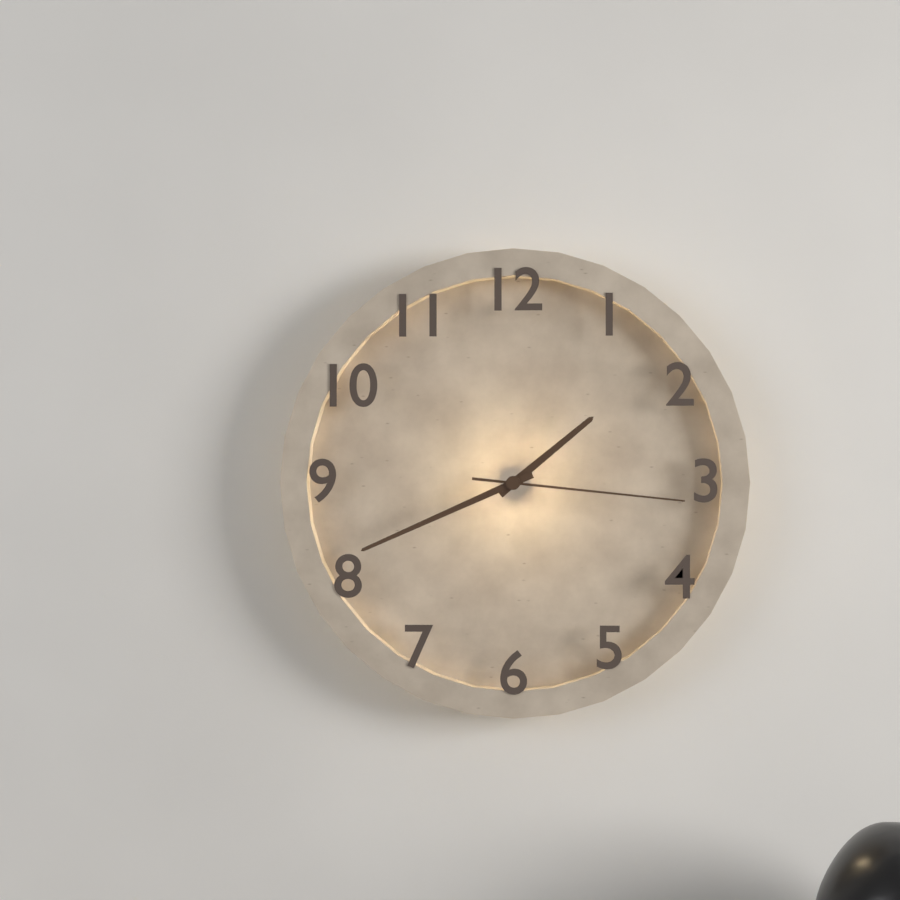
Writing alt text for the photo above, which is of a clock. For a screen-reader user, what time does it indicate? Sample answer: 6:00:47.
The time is 1:41:16
